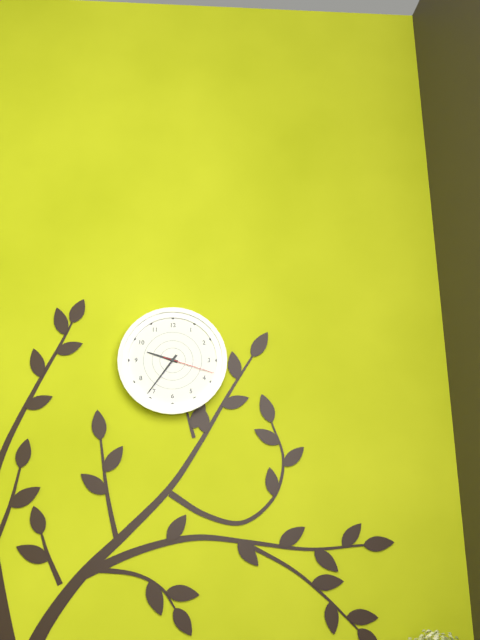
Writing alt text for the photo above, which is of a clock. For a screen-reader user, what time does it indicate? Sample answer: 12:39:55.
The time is 9:36:18
